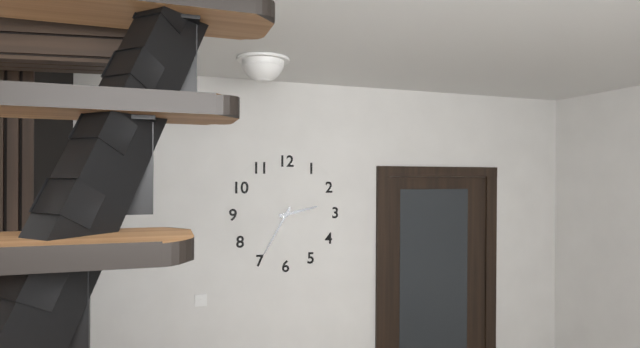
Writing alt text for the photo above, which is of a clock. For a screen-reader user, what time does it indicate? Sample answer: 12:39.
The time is 2:35
